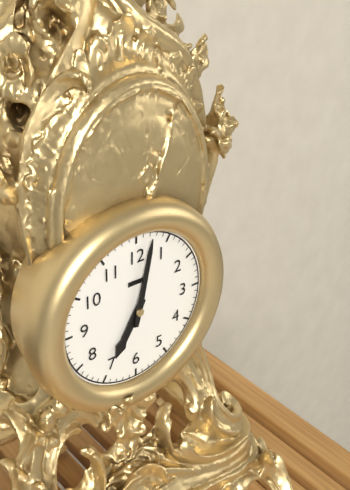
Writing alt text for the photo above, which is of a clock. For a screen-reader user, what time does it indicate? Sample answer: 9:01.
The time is 7:02
